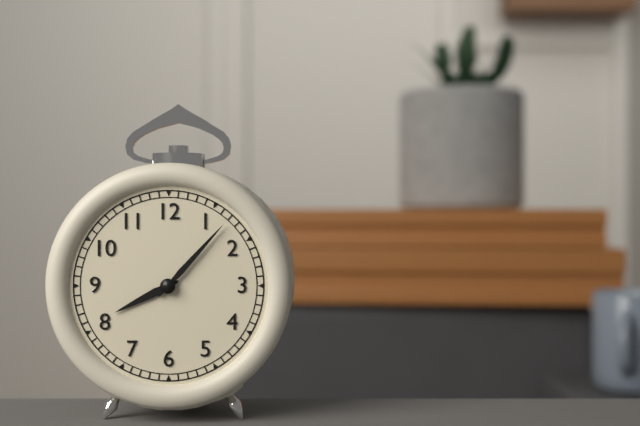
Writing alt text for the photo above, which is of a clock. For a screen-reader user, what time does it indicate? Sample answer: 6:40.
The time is 8:07
